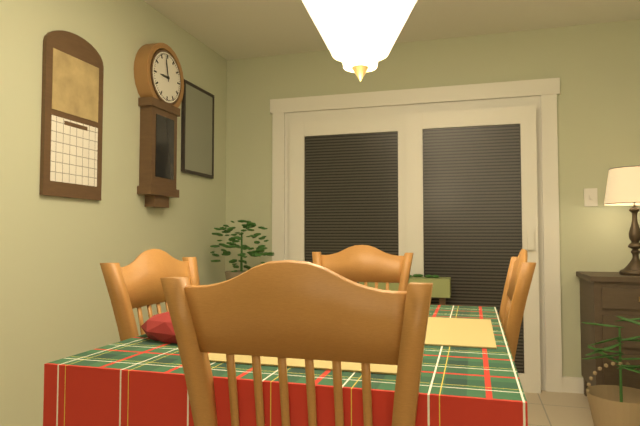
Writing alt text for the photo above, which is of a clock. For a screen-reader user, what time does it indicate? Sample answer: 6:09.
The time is 8:58
